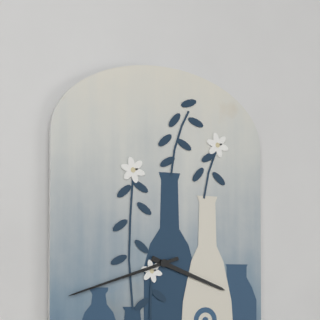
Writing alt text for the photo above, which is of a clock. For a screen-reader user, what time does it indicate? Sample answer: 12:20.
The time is 3:42
